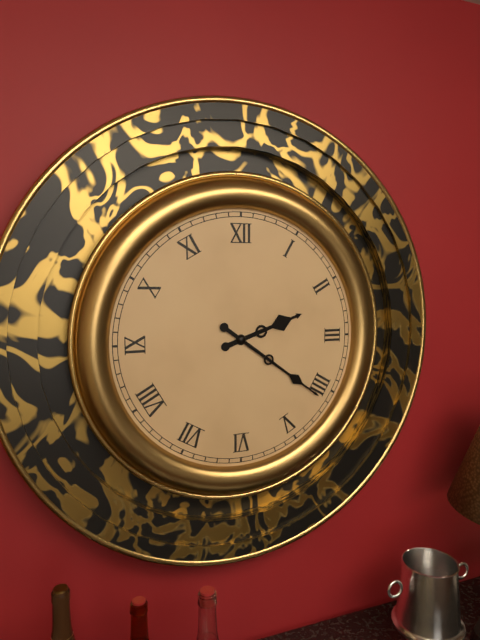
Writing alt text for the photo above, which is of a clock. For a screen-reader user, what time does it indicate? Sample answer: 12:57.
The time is 2:21
